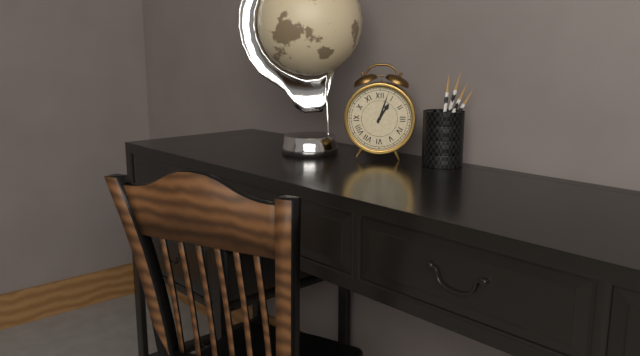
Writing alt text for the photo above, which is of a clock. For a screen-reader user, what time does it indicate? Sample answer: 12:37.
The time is 1:03
